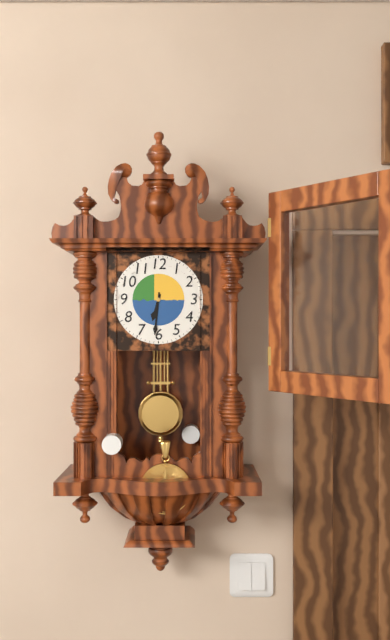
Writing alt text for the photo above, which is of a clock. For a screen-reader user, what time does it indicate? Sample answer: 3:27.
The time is 6:31
